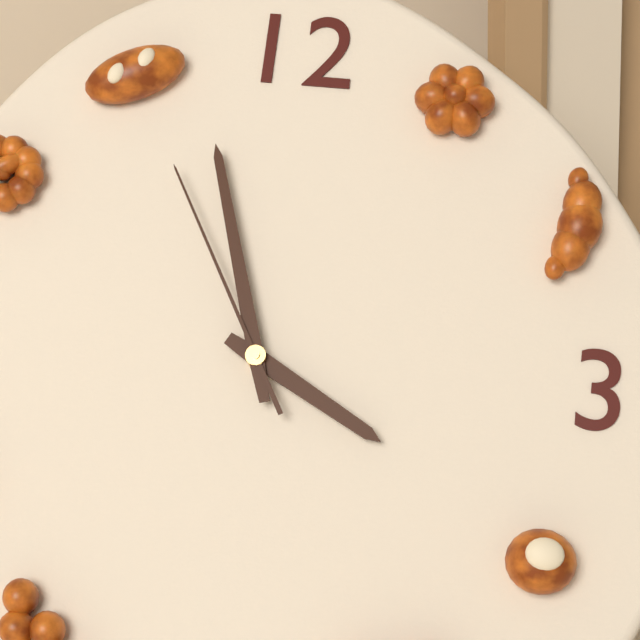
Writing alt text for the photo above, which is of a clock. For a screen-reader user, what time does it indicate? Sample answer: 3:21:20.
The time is 3:57:55
